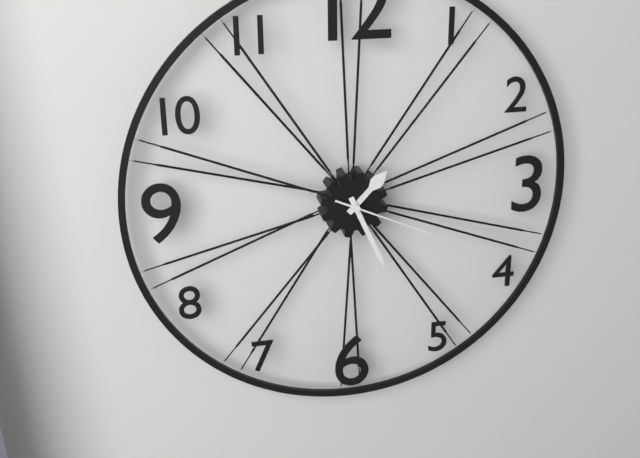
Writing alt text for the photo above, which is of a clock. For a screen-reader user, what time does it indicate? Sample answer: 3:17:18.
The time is 1:26:19
